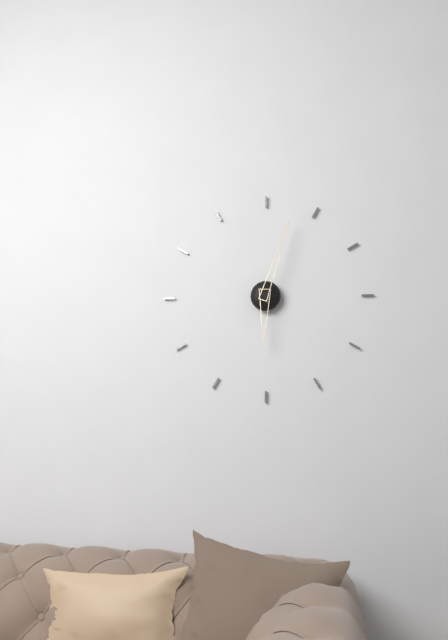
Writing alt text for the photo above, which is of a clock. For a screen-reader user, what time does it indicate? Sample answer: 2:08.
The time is 6:03
